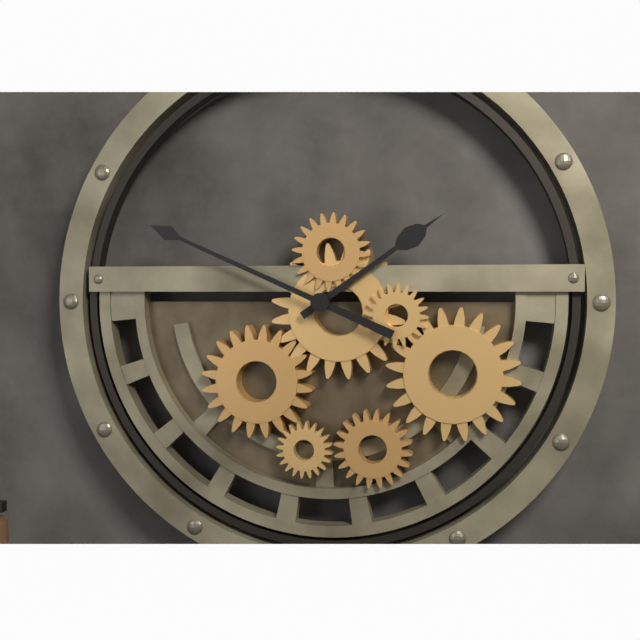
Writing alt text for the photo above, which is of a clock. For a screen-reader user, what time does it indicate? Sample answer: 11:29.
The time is 1:49
